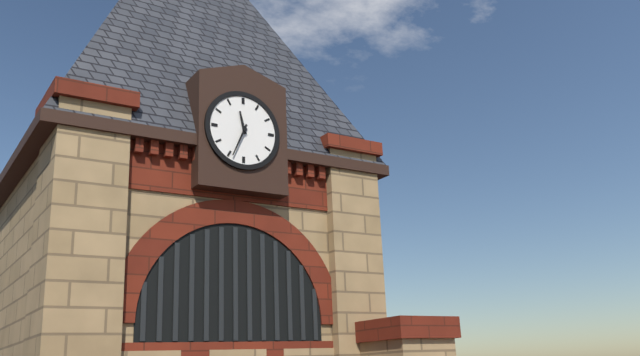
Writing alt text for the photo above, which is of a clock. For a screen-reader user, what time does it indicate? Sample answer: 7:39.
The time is 11:34
